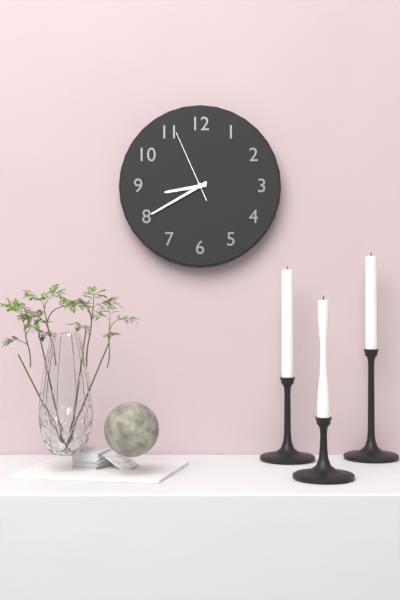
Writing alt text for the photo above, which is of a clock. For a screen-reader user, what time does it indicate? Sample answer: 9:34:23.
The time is 8:40:56
